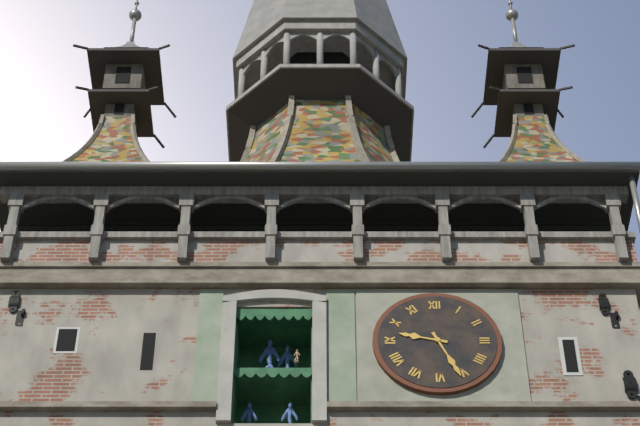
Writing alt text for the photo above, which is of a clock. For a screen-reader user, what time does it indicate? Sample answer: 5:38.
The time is 9:26
